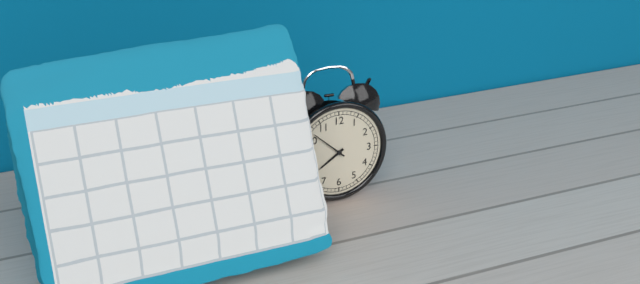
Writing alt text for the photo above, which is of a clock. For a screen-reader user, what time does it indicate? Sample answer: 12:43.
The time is 7:52
